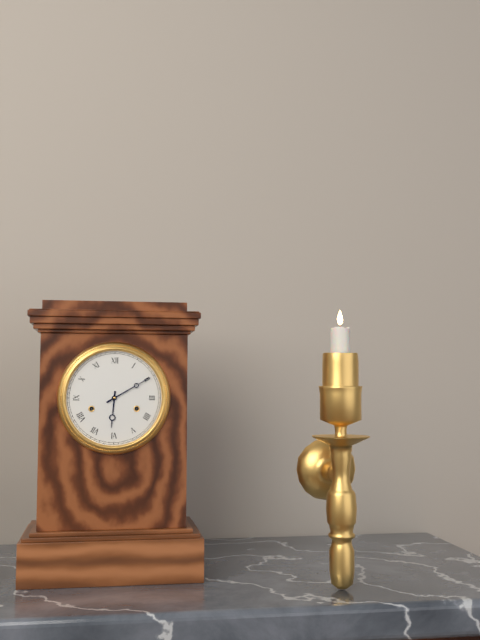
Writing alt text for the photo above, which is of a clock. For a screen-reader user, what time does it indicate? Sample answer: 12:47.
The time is 6:10
